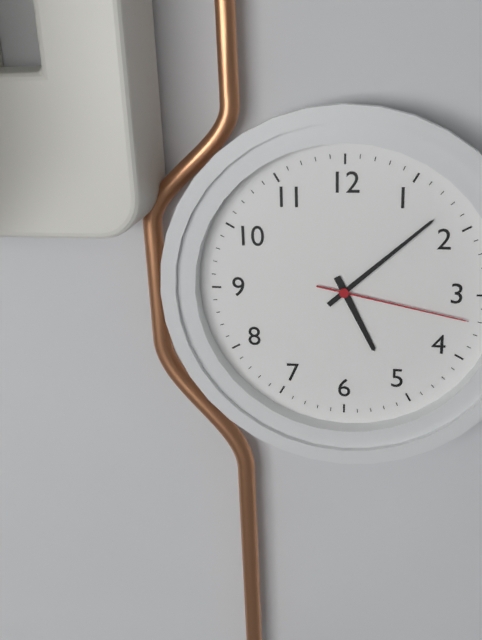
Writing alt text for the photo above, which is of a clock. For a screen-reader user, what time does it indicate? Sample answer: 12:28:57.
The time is 5:08:17
